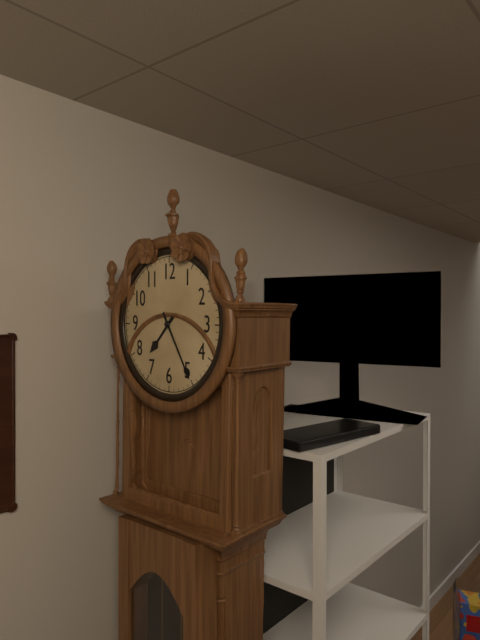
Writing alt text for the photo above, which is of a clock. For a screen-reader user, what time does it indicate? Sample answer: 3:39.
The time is 7:25
